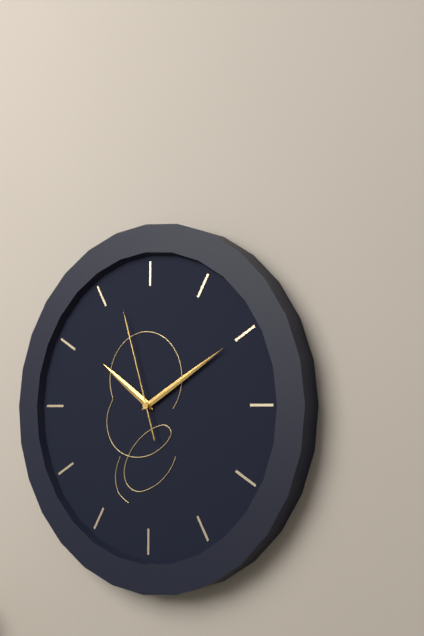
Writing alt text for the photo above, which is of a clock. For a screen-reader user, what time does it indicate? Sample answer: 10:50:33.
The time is 10:10:57
